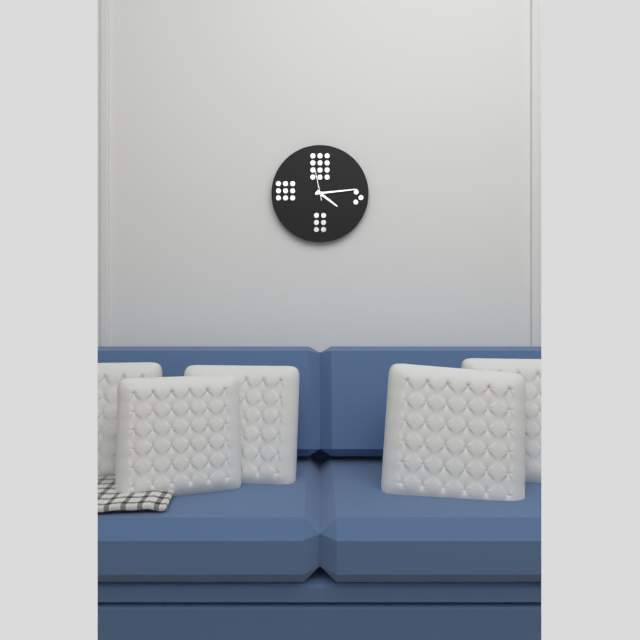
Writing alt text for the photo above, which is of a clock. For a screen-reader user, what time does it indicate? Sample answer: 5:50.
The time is 4:14
